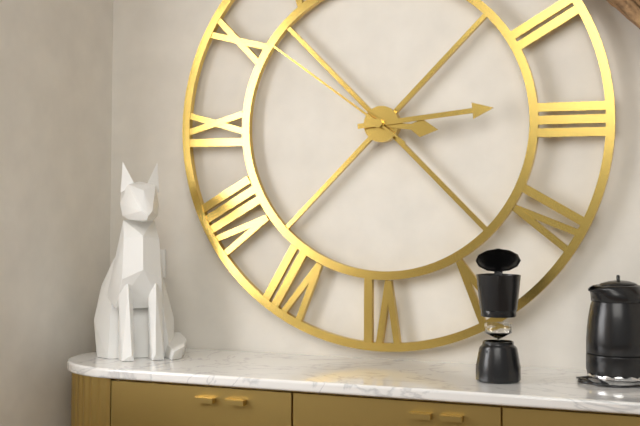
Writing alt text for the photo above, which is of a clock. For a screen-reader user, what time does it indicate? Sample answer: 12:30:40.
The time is 3:14:51
